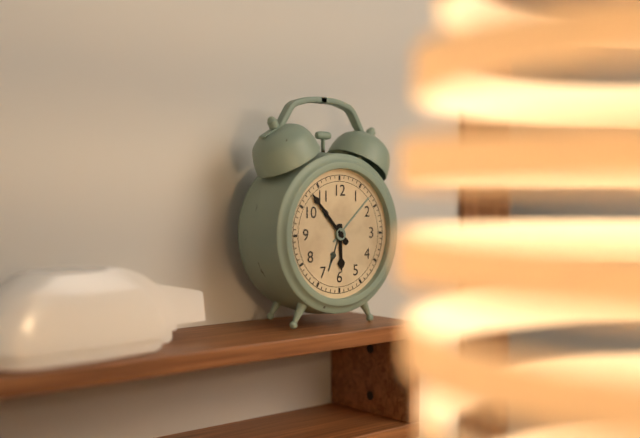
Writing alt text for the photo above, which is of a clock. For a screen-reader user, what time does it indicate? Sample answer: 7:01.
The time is 5:53
